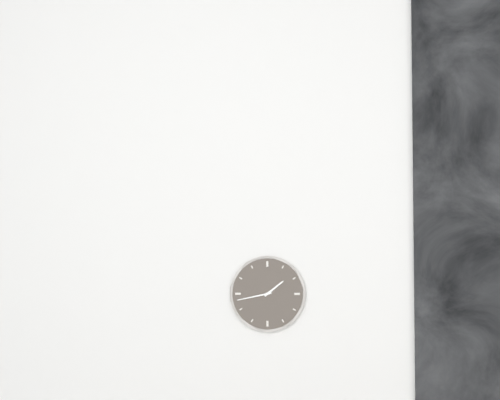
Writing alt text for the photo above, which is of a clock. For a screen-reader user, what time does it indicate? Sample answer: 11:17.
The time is 1:43
